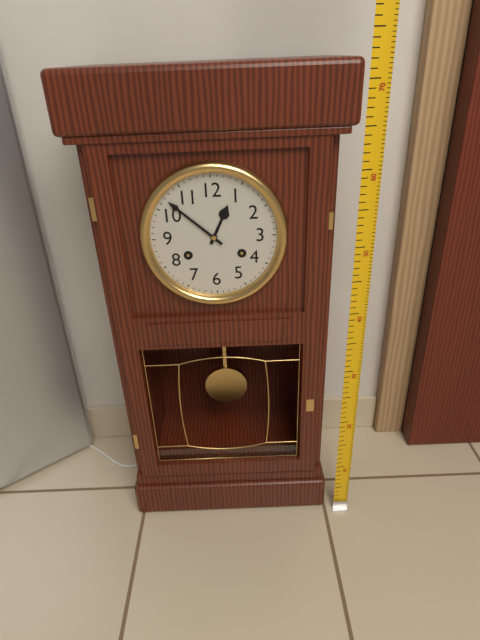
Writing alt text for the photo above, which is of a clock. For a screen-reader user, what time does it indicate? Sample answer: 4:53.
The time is 12:52
